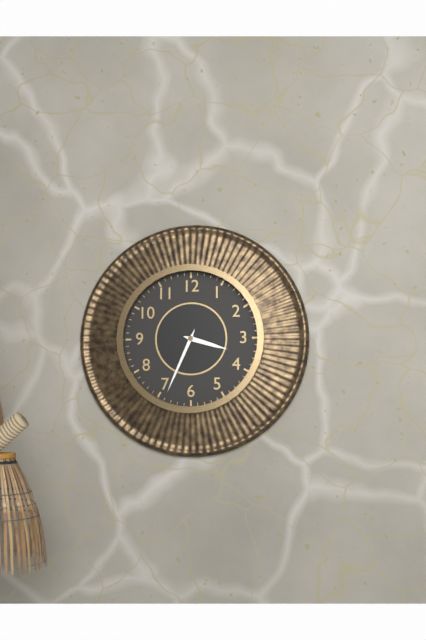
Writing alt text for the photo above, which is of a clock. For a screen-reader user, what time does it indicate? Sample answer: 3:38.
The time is 3:34
